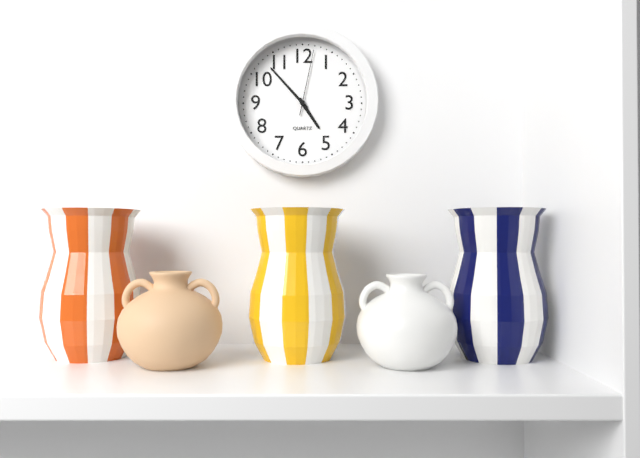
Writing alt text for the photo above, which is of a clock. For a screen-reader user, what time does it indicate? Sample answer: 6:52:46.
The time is 4:53:02
